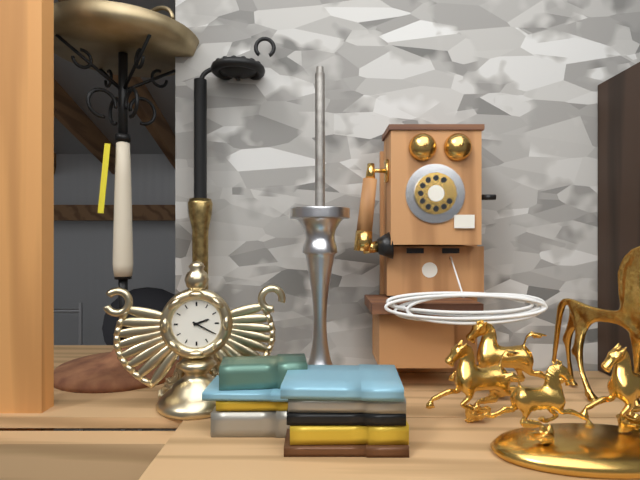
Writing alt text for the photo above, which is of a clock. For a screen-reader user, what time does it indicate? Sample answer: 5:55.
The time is 2:20
